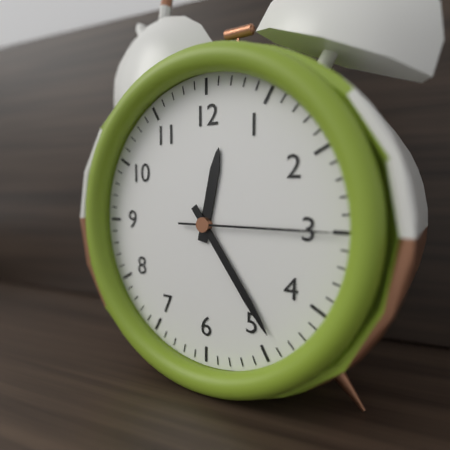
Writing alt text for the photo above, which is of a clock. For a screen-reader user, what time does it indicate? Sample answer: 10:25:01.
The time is 12:24:15
